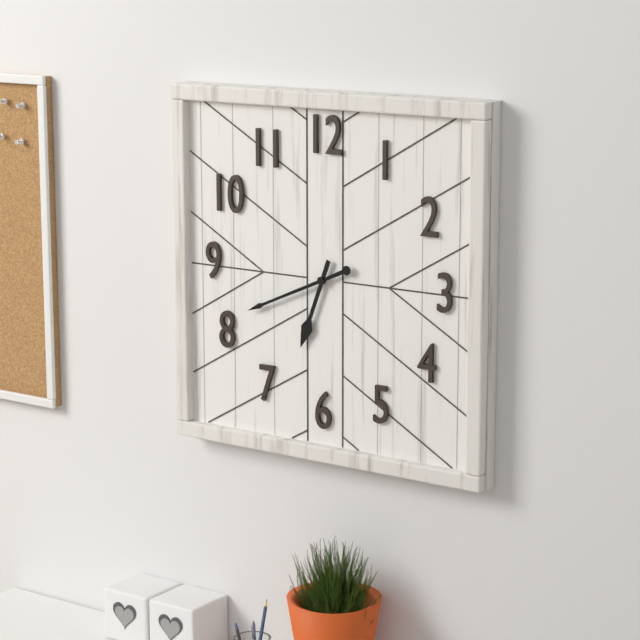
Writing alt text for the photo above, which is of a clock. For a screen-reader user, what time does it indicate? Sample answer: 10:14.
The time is 6:41
